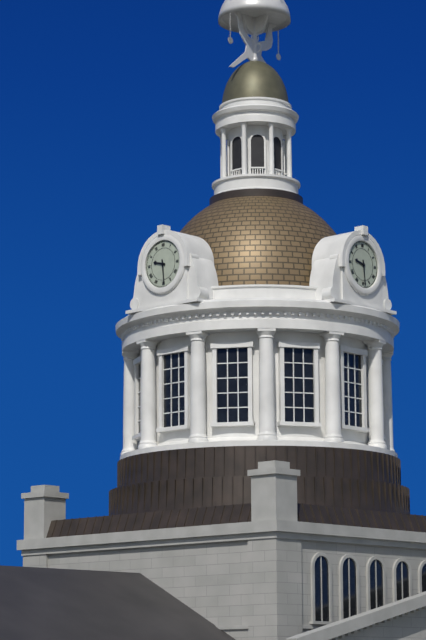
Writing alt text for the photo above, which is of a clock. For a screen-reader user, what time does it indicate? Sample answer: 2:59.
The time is 9:29
